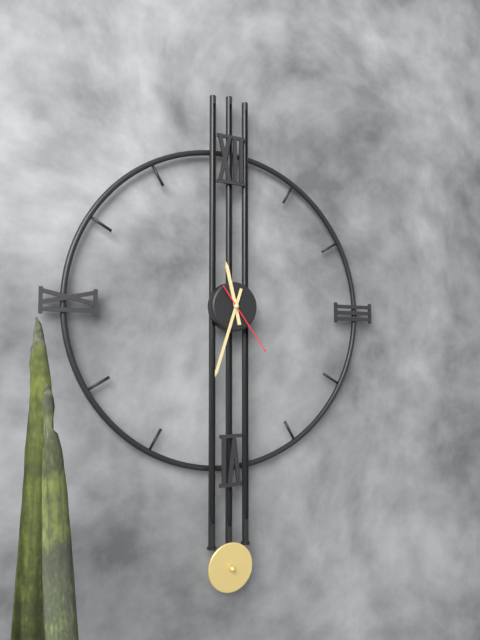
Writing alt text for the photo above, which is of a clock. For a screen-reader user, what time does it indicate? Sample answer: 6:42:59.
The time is 11:33:24
